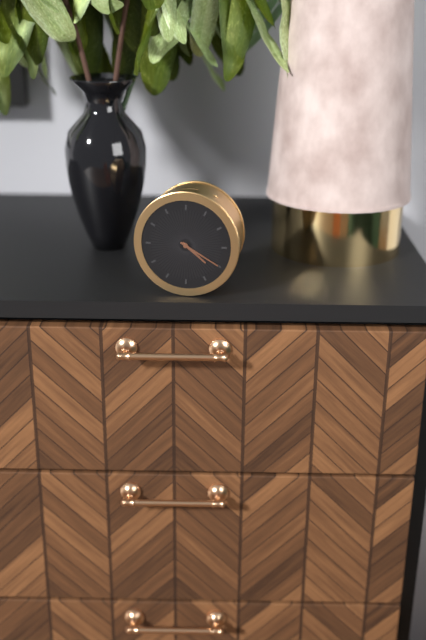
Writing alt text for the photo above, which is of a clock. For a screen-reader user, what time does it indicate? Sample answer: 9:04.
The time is 4:20
